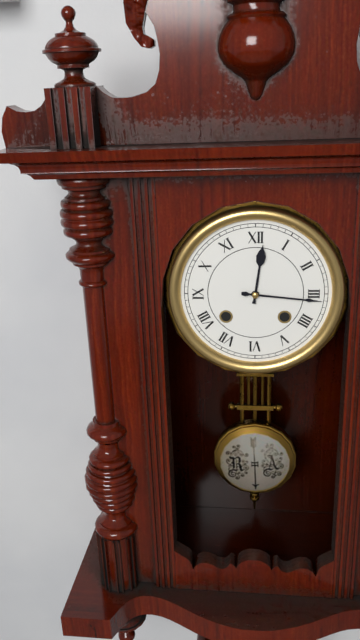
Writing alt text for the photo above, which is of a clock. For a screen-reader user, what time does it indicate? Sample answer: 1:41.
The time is 12:16
